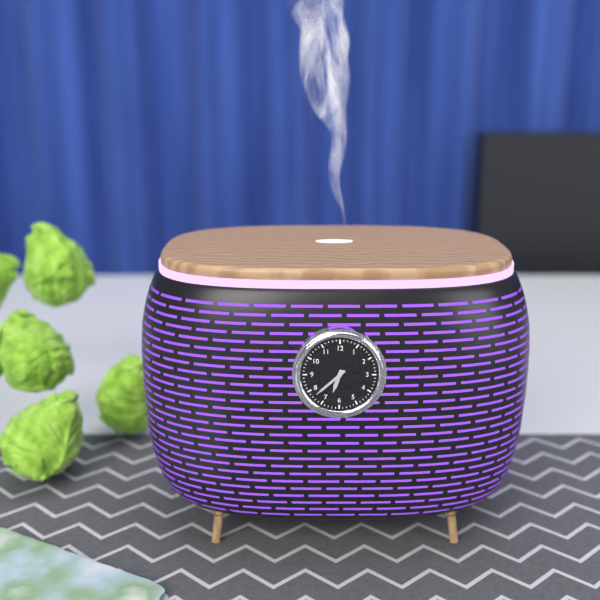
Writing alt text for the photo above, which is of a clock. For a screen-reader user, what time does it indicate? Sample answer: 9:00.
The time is 6:38
